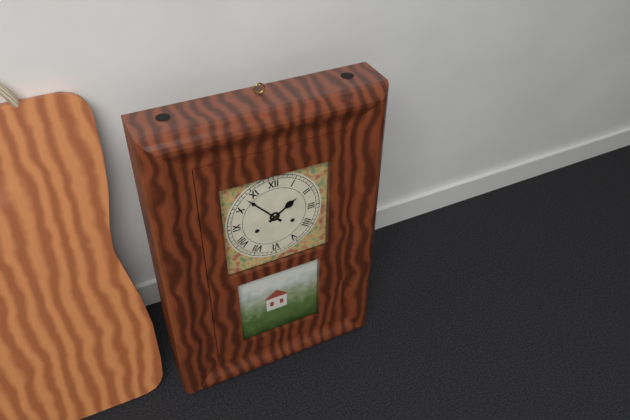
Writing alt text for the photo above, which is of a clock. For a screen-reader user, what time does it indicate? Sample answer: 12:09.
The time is 1:53
